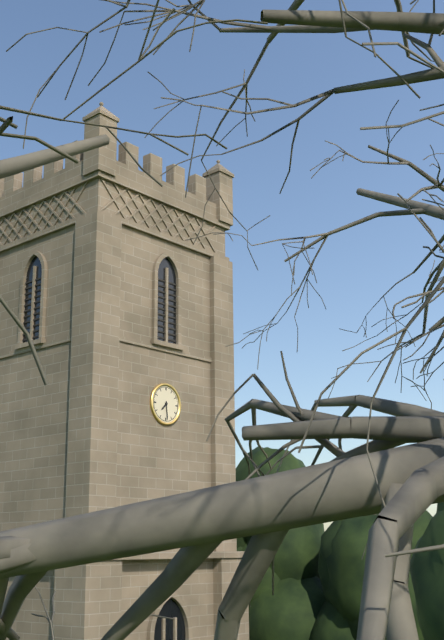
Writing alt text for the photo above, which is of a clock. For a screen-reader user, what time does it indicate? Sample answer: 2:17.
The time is 7:29
